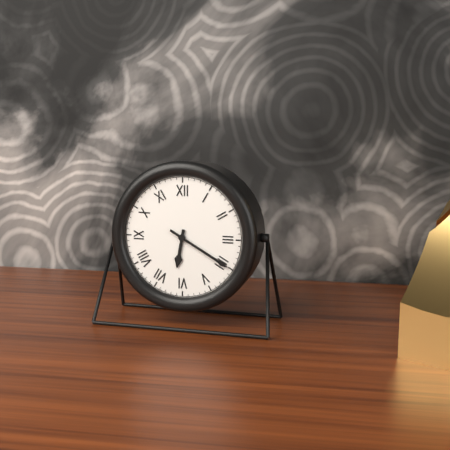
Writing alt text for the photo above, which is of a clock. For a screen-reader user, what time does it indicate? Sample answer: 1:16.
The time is 6:20
